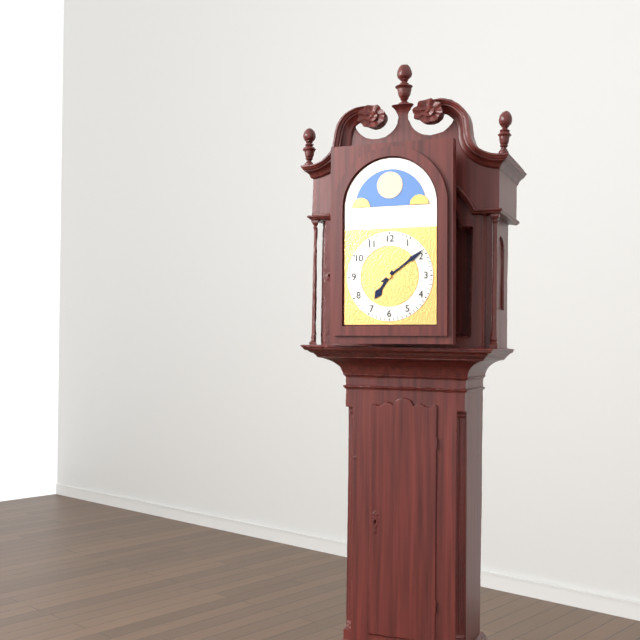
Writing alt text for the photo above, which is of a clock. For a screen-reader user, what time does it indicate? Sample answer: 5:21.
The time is 7:09
